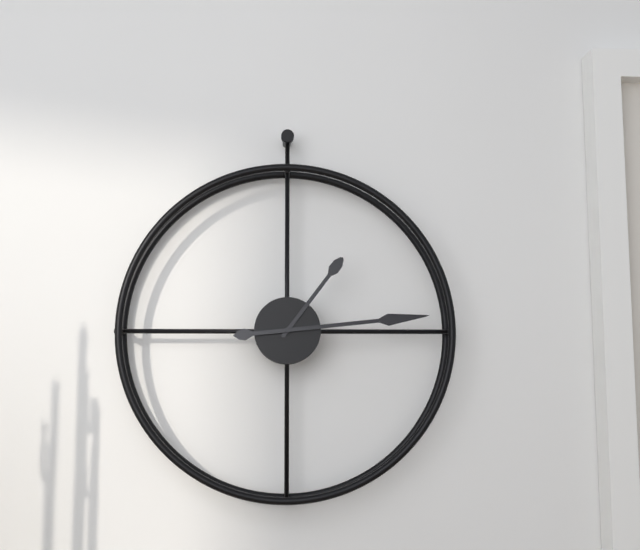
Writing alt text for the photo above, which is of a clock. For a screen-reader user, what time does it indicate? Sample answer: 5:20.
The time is 1:14
